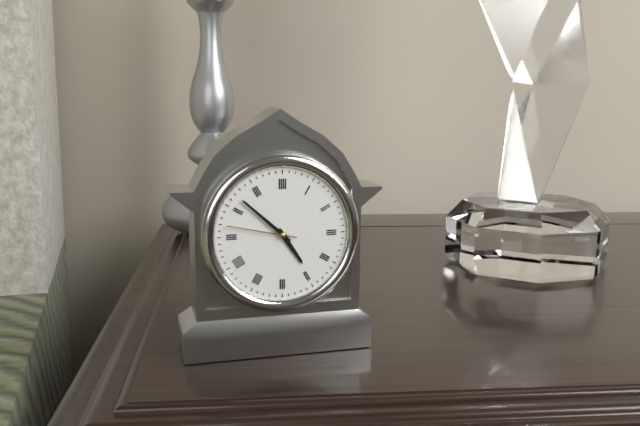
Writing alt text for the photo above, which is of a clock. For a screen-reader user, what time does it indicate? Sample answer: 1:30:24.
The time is 4:52:47
